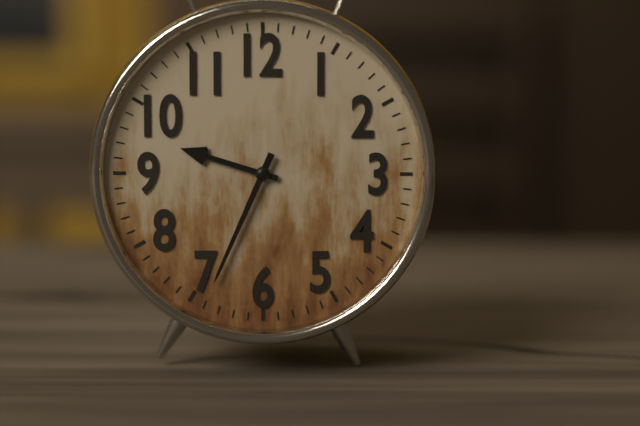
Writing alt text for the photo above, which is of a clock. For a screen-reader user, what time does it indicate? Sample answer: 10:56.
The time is 9:34
